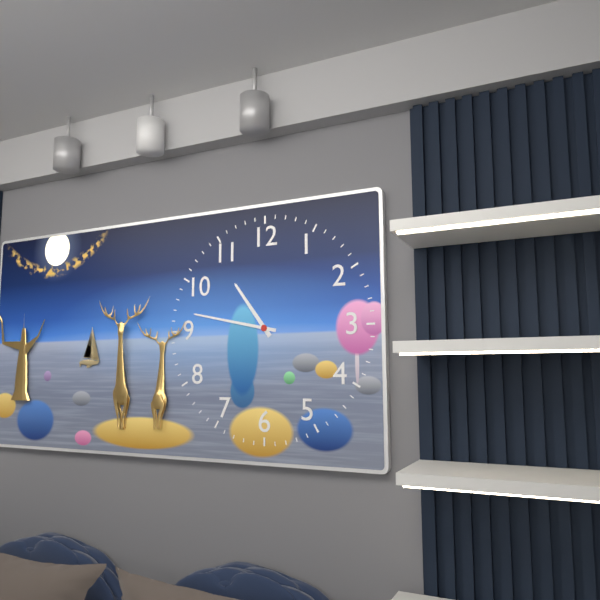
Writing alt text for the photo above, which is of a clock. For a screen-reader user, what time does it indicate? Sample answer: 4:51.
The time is 10:47
